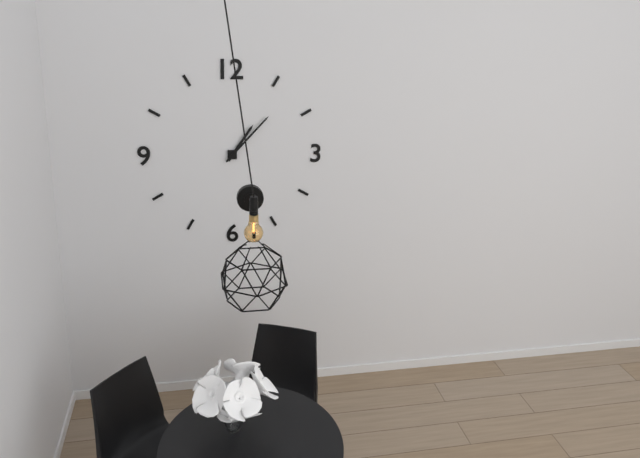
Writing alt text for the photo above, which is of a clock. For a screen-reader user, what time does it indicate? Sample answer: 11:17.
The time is 1:07
